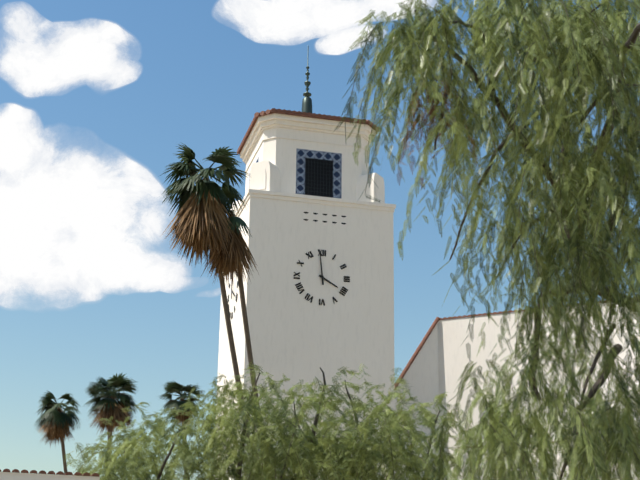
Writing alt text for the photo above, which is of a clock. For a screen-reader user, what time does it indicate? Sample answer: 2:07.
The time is 3:59
